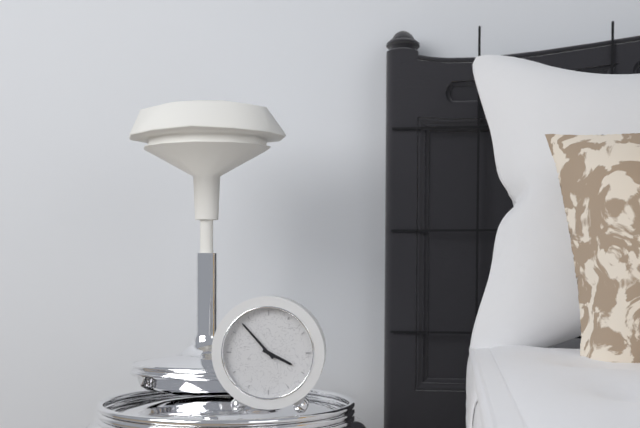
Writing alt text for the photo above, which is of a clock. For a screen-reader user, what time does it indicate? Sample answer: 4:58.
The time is 3:53
